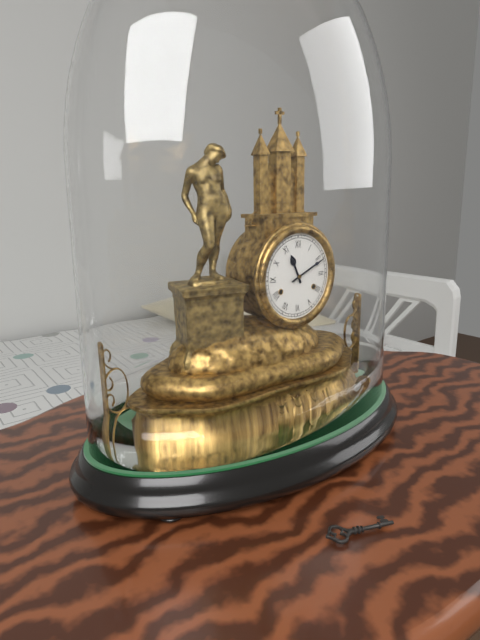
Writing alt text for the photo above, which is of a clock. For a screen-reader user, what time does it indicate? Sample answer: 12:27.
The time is 11:11
